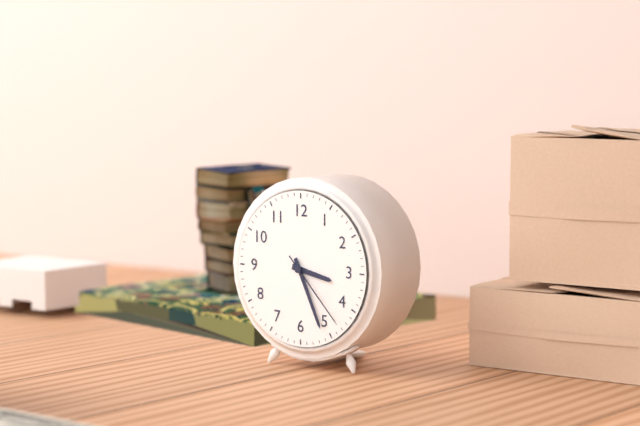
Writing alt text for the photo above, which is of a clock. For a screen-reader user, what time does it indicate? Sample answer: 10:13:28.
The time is 3:26:23
